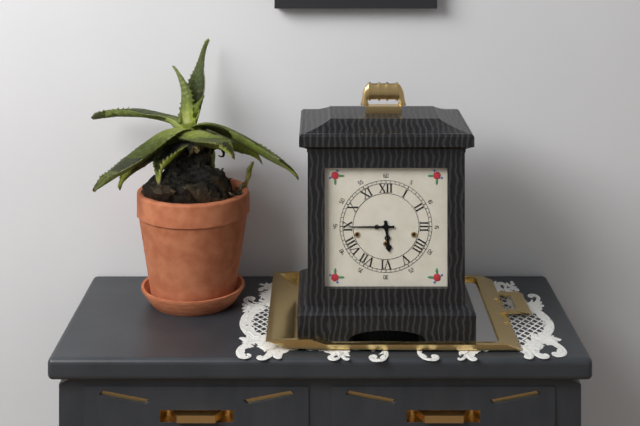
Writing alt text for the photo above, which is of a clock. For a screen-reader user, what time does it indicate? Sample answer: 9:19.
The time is 5:45
